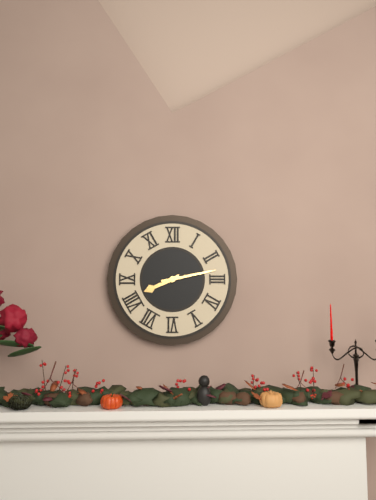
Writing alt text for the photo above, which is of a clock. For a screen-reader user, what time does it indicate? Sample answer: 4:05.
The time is 8:13
